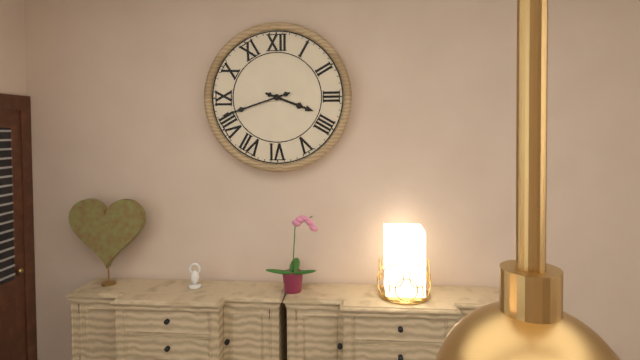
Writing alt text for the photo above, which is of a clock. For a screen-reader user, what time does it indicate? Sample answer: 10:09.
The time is 3:42
